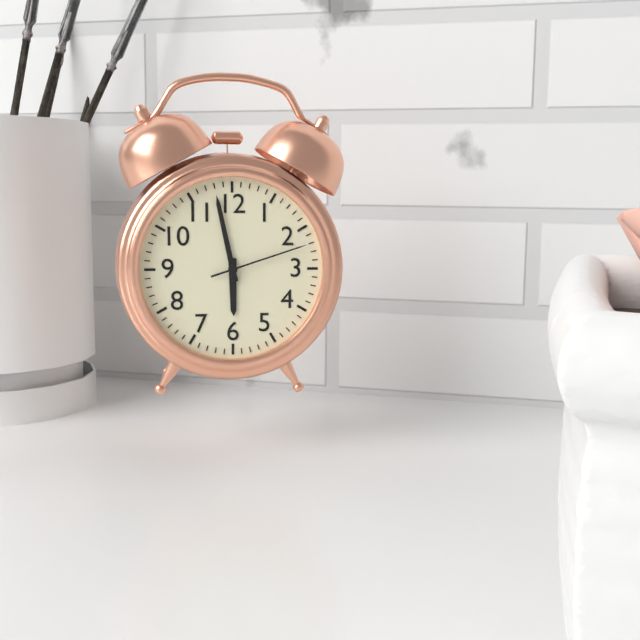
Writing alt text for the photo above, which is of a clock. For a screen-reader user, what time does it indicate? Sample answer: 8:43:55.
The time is 5:58:12
